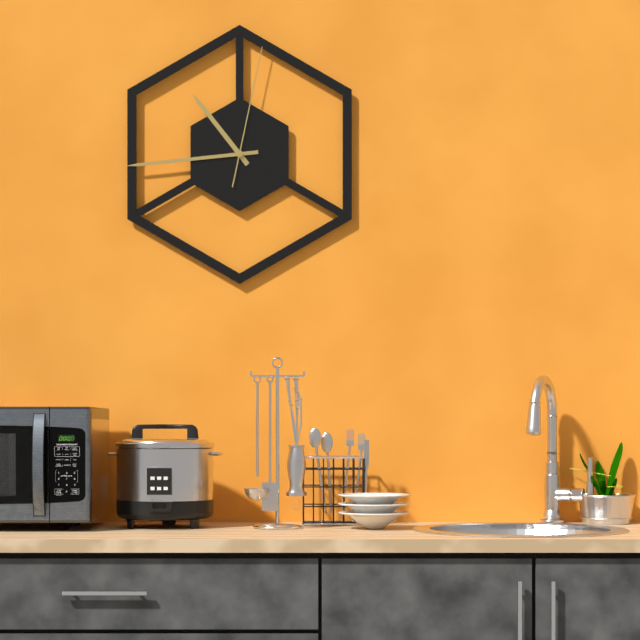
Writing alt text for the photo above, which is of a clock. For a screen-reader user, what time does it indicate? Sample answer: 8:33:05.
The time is 10:44:02
